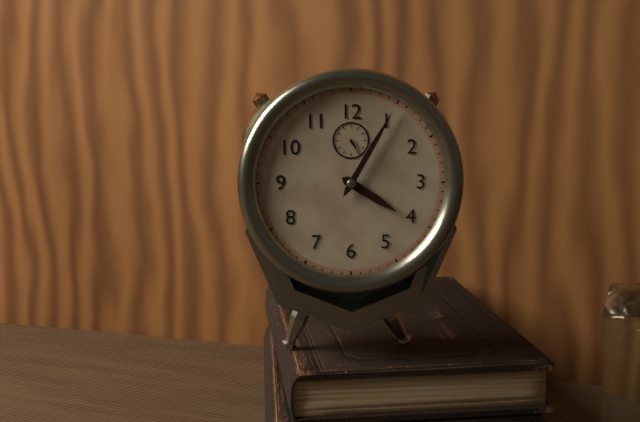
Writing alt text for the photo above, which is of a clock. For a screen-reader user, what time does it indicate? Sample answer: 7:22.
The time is 4:05
